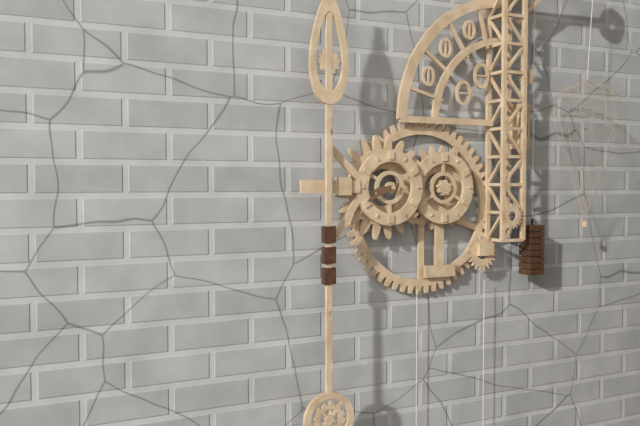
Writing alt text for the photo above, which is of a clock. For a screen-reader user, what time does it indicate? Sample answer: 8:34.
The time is 8:41
